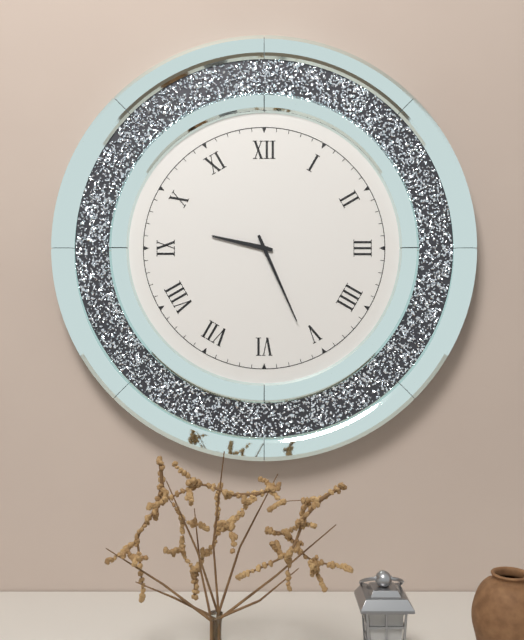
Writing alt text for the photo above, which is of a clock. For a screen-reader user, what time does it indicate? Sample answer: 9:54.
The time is 9:26
